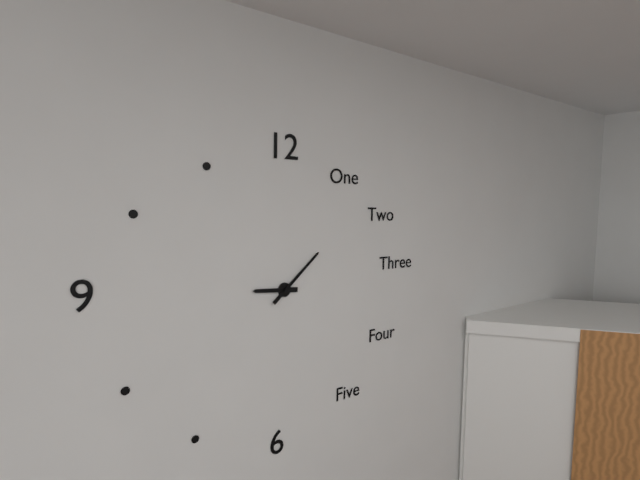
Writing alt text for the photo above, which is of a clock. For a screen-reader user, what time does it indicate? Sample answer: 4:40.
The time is 9:08
